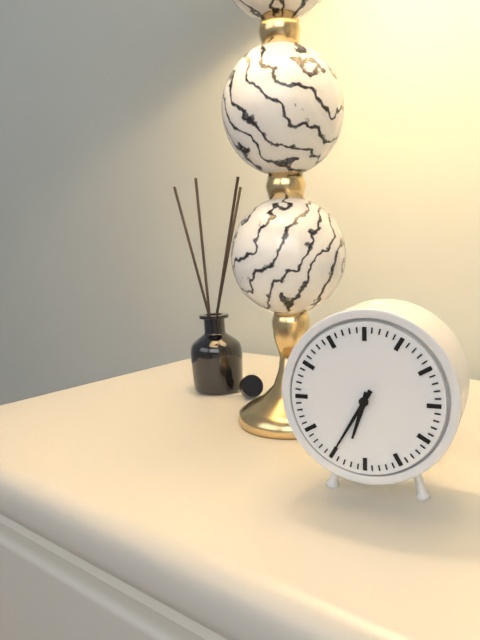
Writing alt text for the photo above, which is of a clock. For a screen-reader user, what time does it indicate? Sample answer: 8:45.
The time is 6:35
